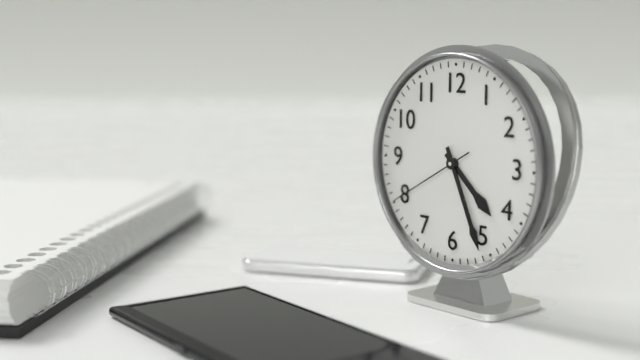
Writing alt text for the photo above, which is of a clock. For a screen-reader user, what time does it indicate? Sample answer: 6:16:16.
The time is 4:26:40
